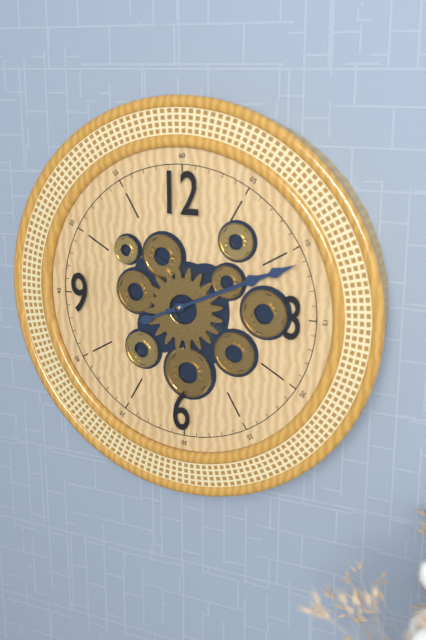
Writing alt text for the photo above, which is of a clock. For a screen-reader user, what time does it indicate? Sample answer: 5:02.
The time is 2:11
